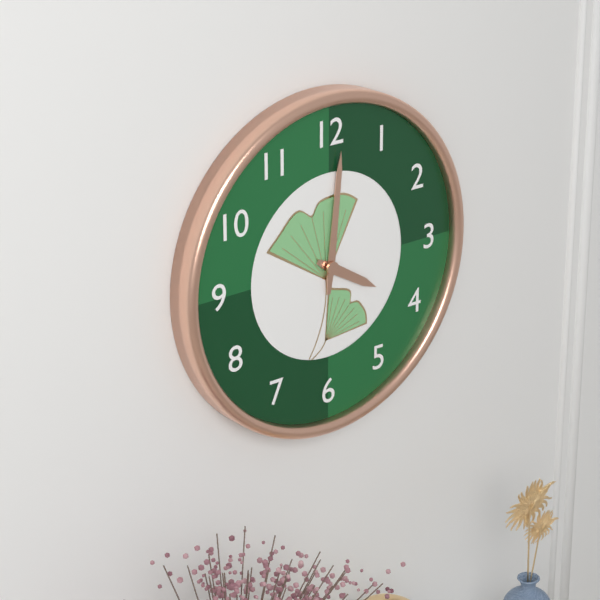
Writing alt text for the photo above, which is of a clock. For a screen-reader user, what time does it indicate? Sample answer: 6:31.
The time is 4:01
